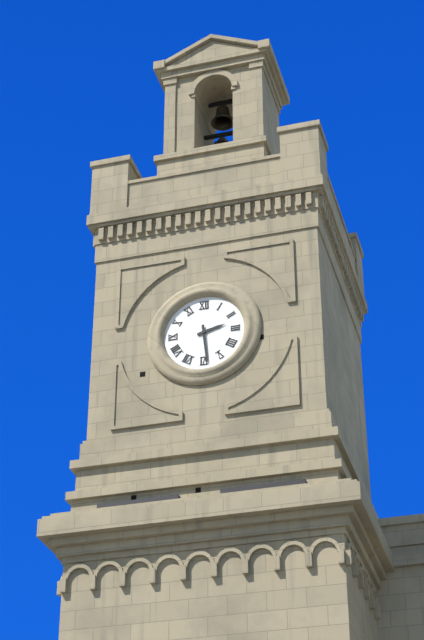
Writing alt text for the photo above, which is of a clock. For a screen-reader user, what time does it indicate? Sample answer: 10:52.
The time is 2:29
